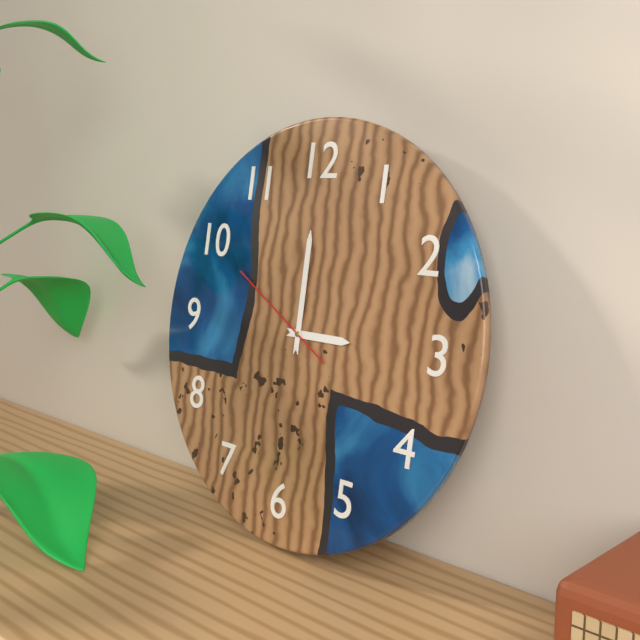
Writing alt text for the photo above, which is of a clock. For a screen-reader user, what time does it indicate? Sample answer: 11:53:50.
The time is 3:00:50
